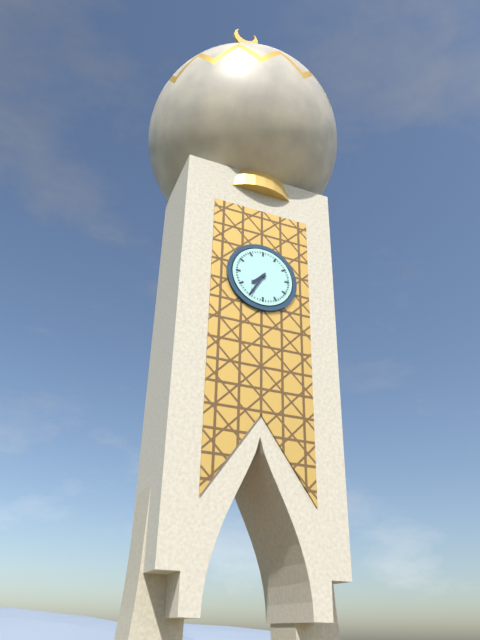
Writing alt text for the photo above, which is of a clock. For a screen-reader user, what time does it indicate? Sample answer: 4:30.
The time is 7:35
